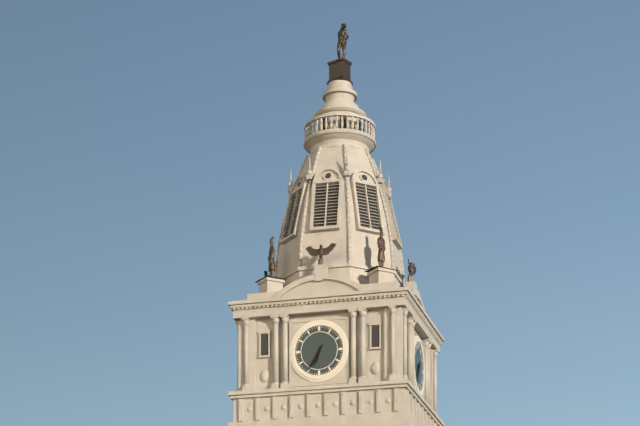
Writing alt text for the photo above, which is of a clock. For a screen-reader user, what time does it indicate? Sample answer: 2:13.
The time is 6:35
